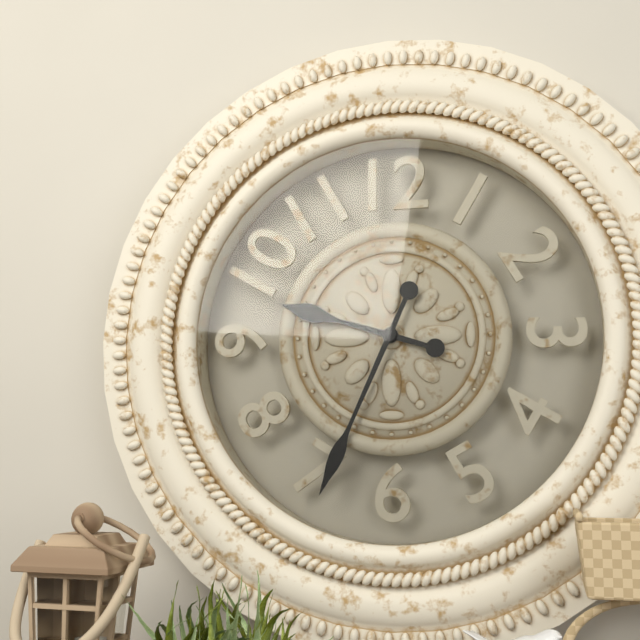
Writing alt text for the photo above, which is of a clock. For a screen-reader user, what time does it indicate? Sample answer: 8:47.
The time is 9:34
